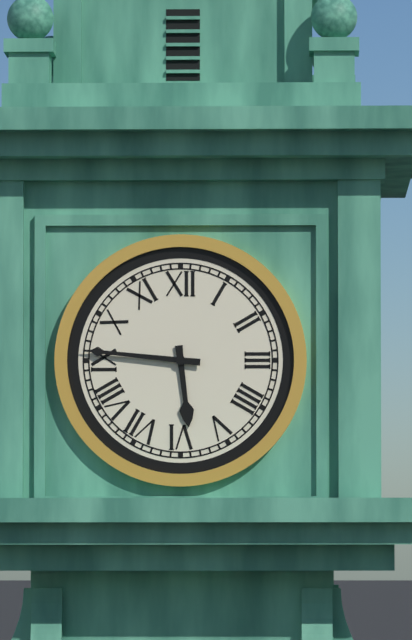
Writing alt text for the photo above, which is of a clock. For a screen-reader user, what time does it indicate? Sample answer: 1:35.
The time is 5:46
